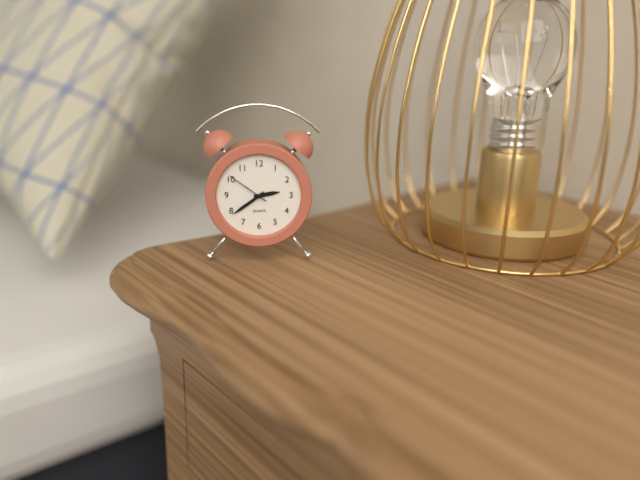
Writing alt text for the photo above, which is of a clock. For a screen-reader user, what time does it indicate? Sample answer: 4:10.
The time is 2:39
